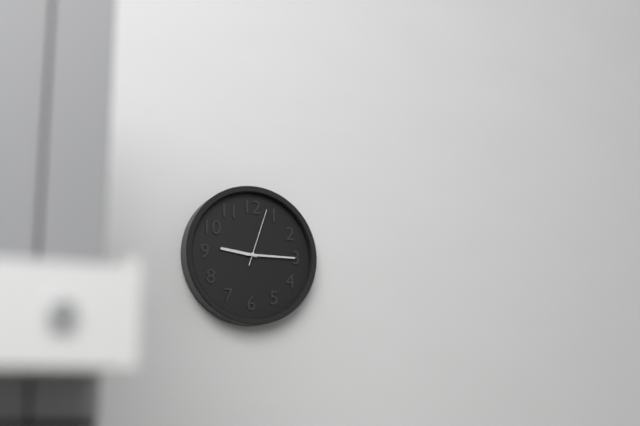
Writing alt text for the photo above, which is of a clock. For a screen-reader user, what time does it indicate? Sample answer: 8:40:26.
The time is 9:15:03
